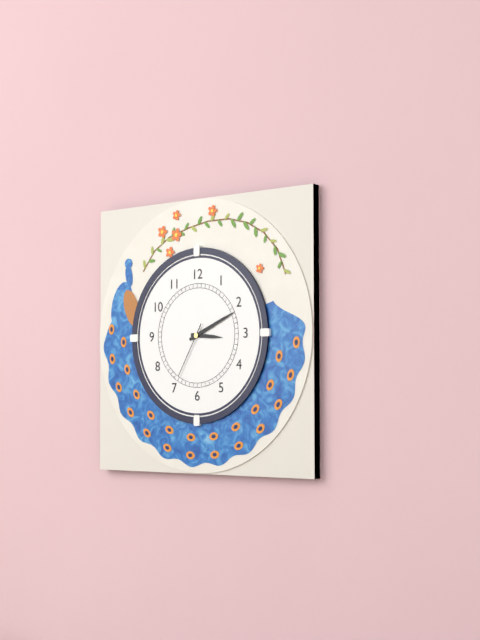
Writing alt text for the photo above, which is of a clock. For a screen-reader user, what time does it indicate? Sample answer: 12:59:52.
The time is 3:11:35
